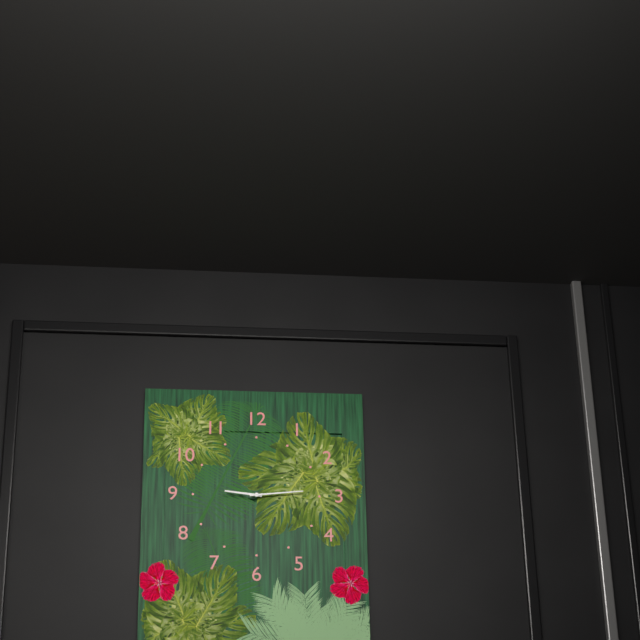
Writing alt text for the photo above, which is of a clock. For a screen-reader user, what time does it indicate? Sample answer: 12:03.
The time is 9:14
